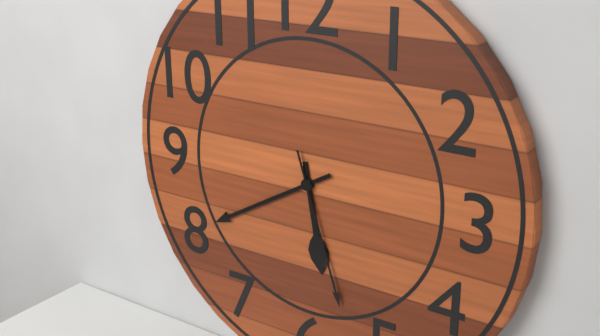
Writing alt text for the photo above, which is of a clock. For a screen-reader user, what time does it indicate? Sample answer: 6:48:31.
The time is 5:40:27
